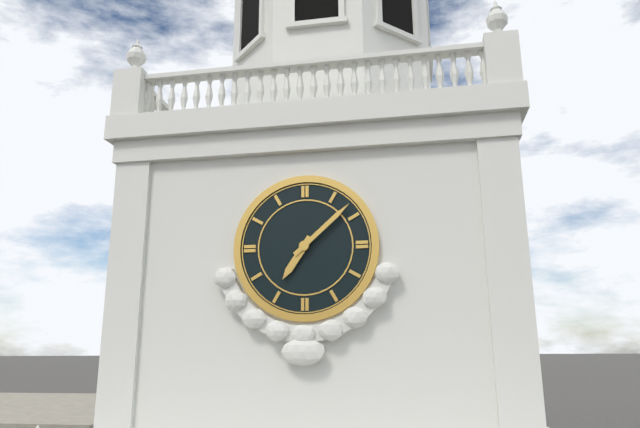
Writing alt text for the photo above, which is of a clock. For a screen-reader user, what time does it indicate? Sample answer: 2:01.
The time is 7:08
